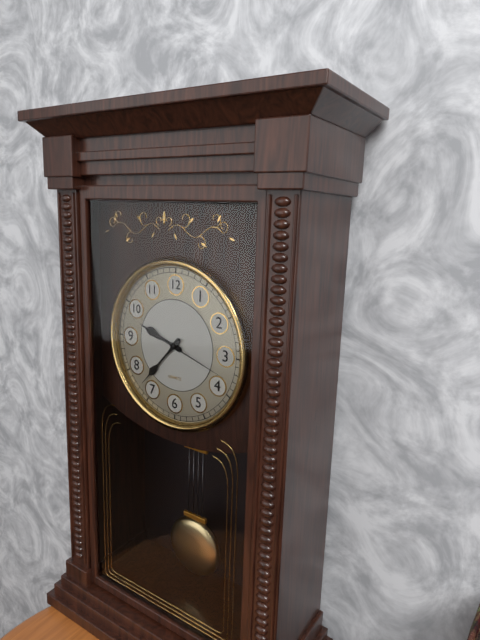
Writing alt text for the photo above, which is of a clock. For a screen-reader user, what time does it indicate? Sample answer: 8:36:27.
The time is 9:37:18
